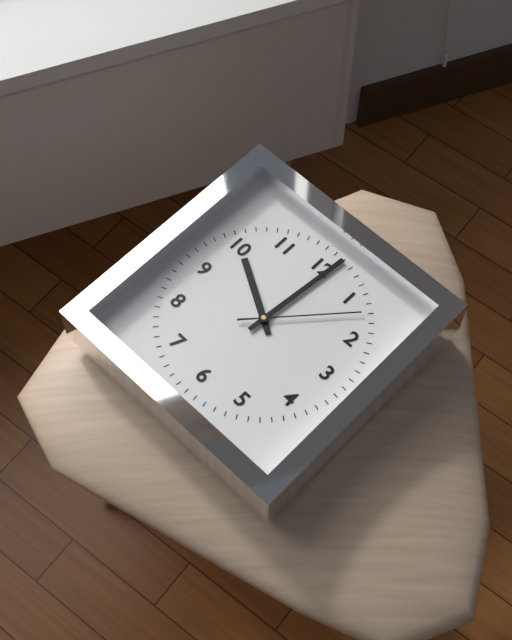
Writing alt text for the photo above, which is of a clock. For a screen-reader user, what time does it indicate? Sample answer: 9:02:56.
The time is 10:01:07
